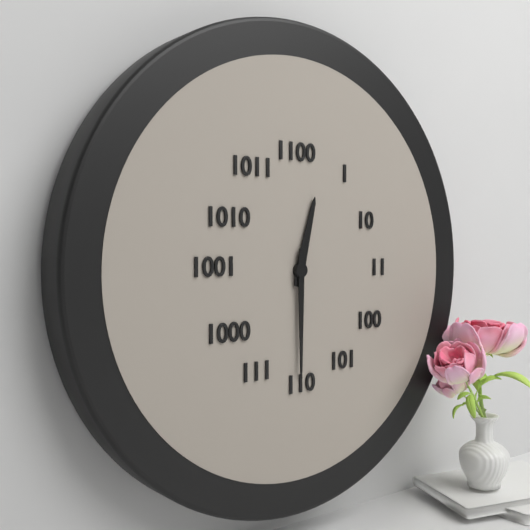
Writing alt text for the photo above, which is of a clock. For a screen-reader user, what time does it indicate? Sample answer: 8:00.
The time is 12:30
